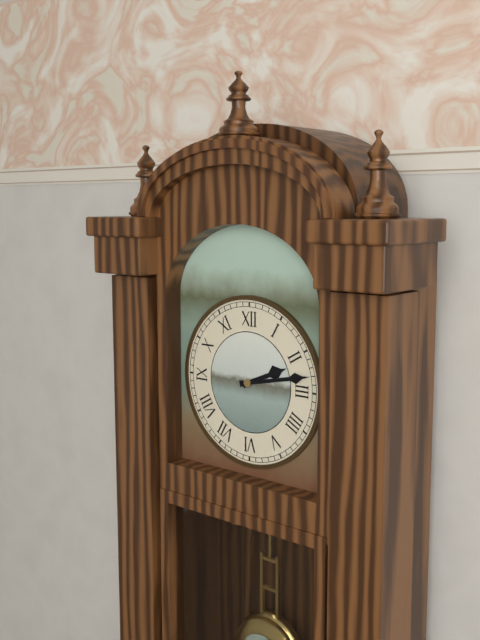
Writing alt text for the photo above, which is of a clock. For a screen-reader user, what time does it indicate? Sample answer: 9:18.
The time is 2:13
